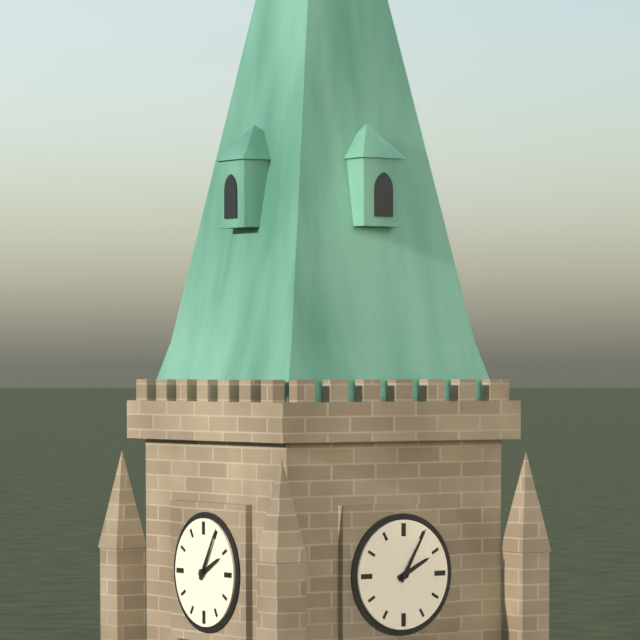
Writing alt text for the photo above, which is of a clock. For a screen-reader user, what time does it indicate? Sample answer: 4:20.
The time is 2:05
